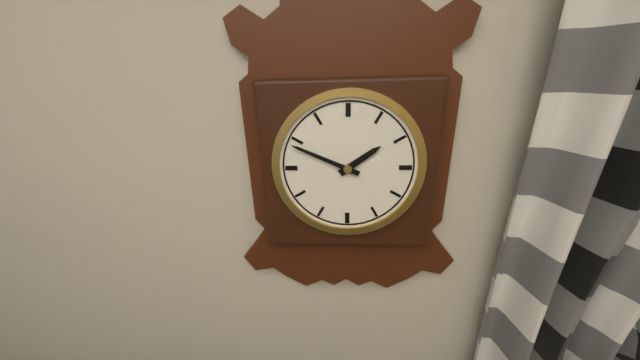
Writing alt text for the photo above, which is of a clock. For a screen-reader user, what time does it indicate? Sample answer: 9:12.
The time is 1:49
